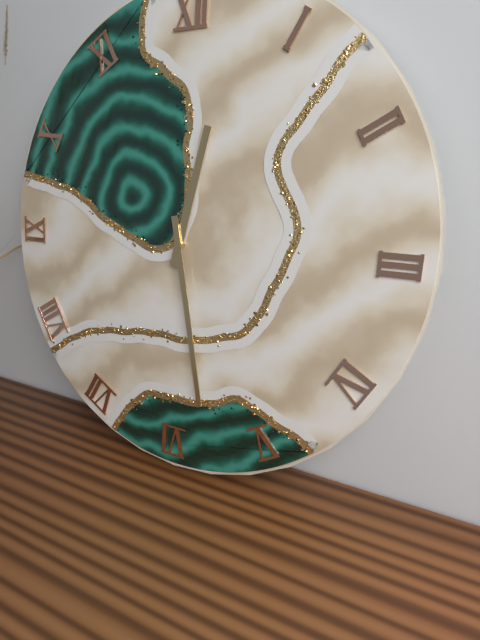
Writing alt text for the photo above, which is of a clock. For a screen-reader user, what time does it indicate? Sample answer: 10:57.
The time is 12:28
